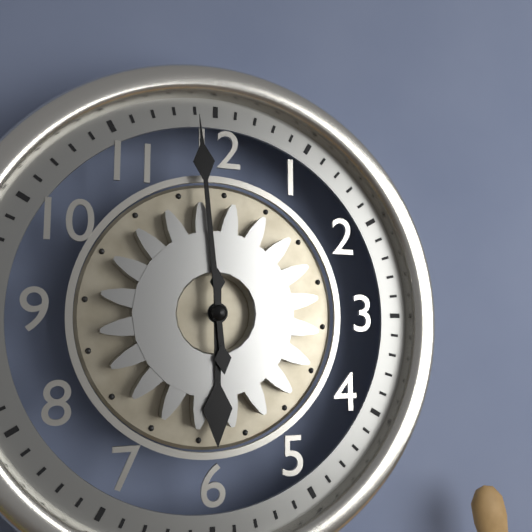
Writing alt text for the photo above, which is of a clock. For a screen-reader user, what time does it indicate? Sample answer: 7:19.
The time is 5:59
